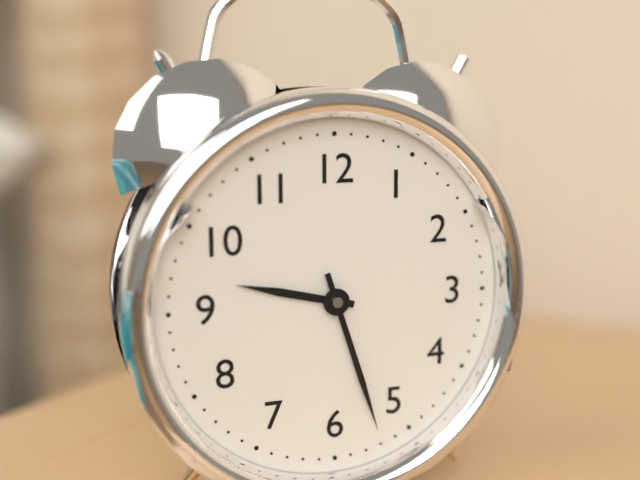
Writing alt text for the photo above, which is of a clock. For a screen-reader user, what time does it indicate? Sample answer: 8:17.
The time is 9:27
